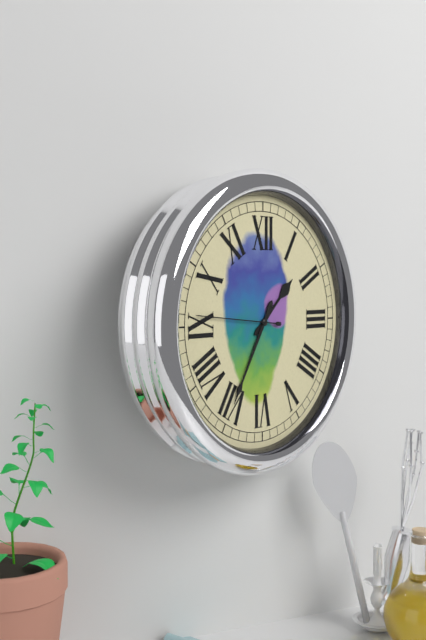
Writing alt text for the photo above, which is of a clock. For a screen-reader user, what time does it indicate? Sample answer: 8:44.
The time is 1:35
